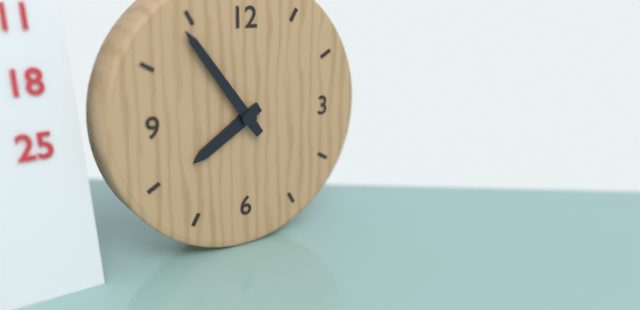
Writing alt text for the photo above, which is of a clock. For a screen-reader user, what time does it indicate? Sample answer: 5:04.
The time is 7:54
